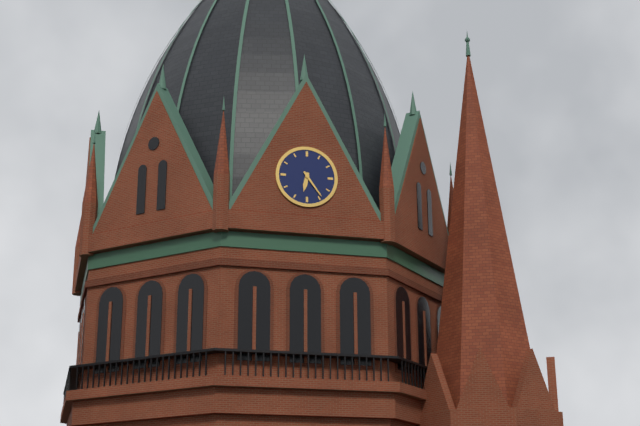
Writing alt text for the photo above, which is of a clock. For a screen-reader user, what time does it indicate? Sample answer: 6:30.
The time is 6:24
